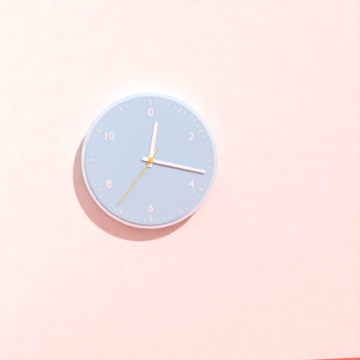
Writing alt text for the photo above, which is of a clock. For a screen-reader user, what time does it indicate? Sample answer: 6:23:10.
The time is 12:17:36
